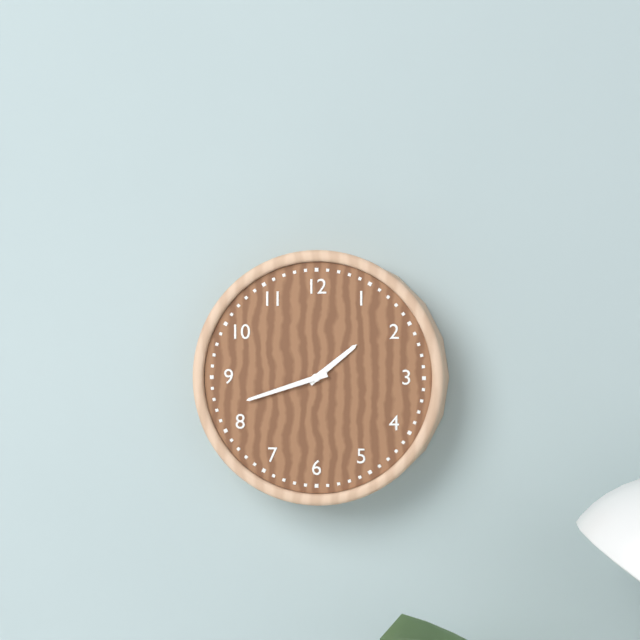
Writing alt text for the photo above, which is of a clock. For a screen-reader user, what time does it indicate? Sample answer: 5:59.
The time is 1:42
